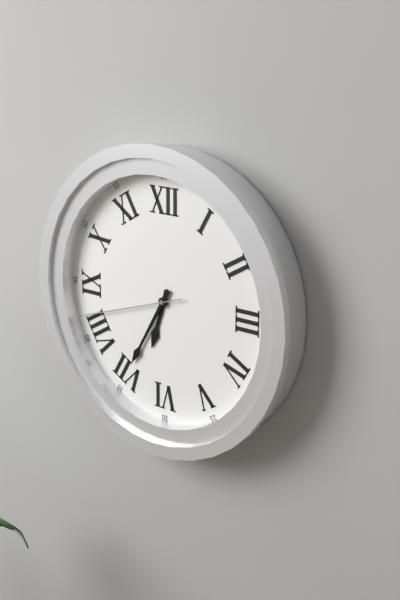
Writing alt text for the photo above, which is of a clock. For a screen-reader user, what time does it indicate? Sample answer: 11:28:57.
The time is 6:35:42
